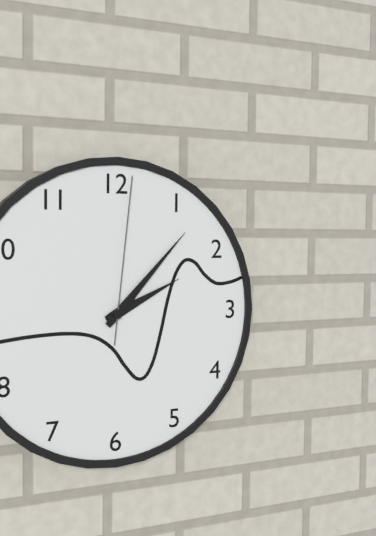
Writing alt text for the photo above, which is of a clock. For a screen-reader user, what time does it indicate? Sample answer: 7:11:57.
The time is 2:07:01
